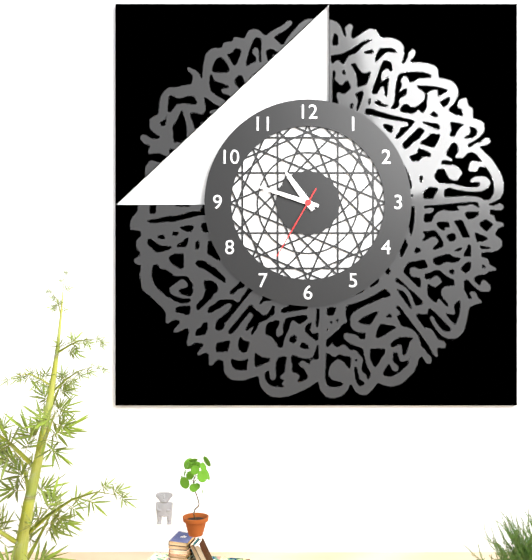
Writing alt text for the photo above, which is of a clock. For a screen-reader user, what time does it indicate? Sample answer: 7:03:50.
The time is 10:48:35
